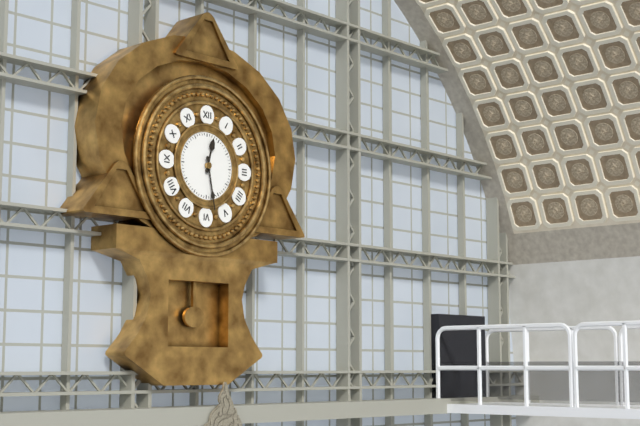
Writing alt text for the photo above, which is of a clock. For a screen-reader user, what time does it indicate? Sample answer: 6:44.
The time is 12:28
